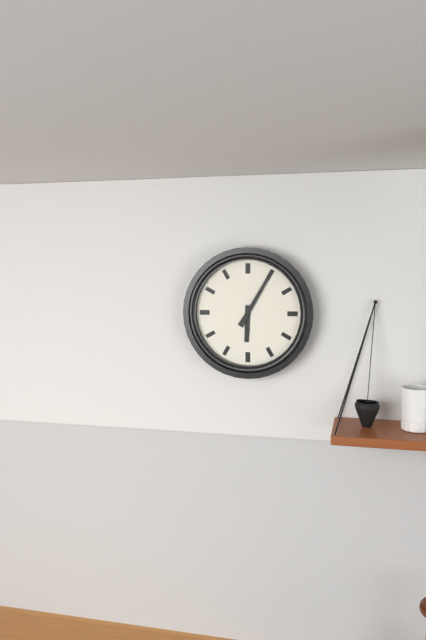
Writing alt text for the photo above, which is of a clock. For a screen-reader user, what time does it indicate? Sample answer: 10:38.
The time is 6:05
